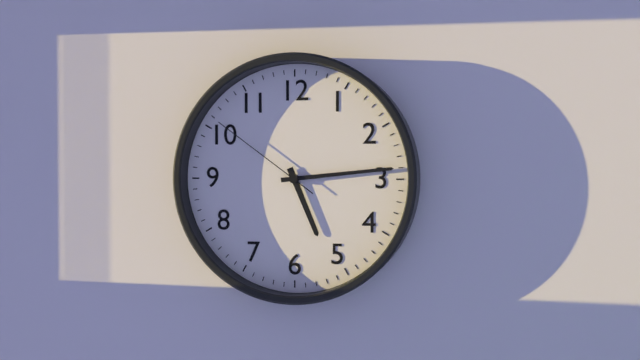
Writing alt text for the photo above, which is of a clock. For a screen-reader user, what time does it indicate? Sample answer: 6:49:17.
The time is 5:14:51
